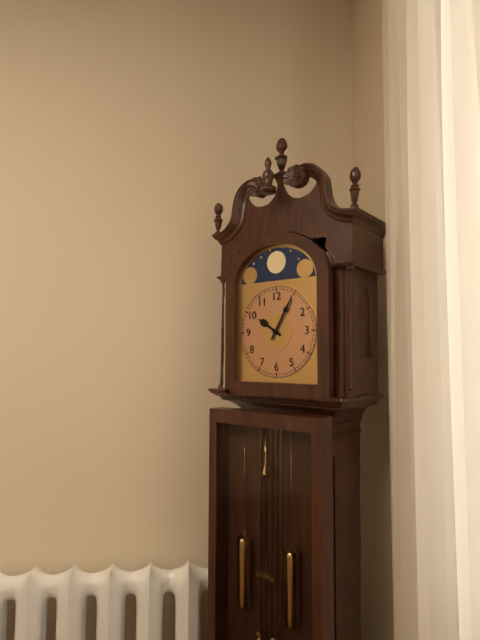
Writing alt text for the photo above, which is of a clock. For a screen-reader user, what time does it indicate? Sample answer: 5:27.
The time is 10:05
